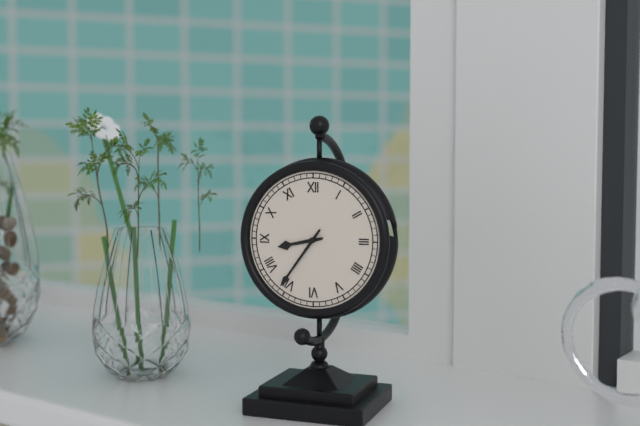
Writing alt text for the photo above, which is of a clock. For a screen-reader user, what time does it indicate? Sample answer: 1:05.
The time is 8:36
